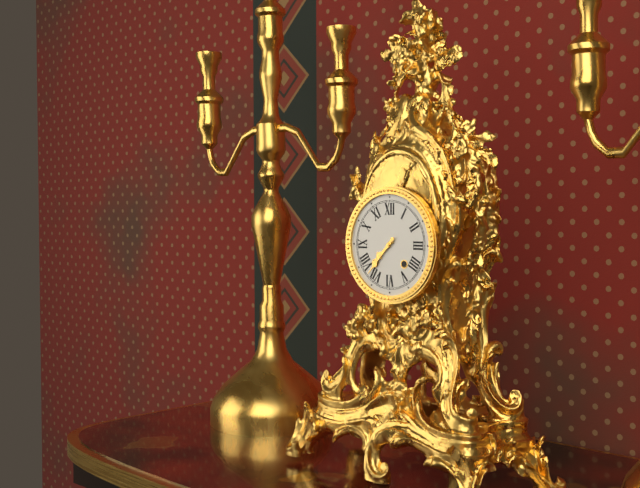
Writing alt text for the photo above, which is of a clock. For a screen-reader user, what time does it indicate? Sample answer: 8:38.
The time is 7:37
